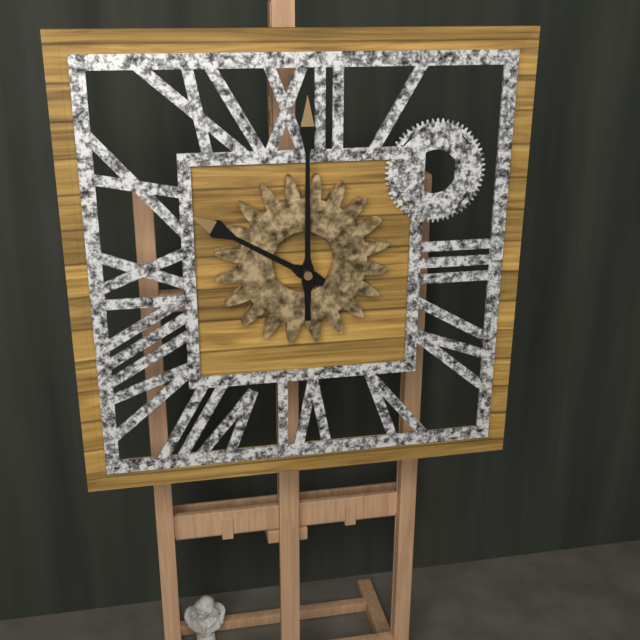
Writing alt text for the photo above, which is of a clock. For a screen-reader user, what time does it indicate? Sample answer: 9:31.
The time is 10:00
